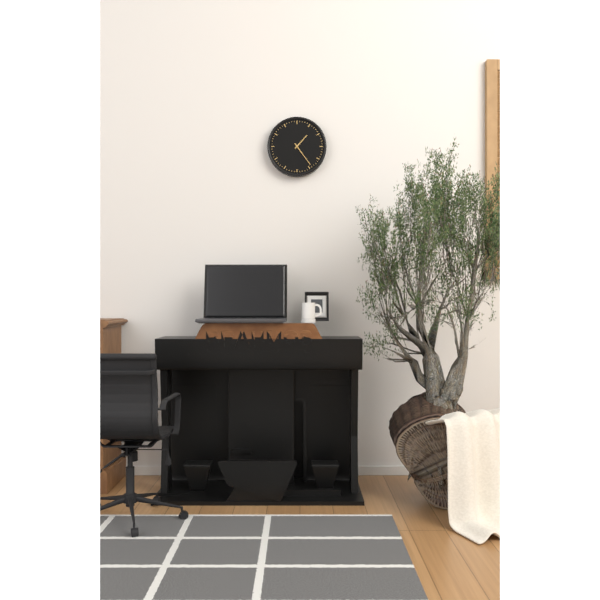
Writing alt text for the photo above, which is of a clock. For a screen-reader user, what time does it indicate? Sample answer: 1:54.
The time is 1:24
